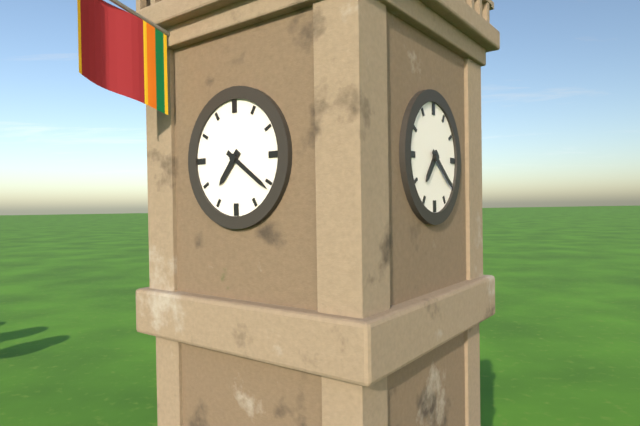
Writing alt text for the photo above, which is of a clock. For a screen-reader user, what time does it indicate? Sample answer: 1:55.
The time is 7:21
